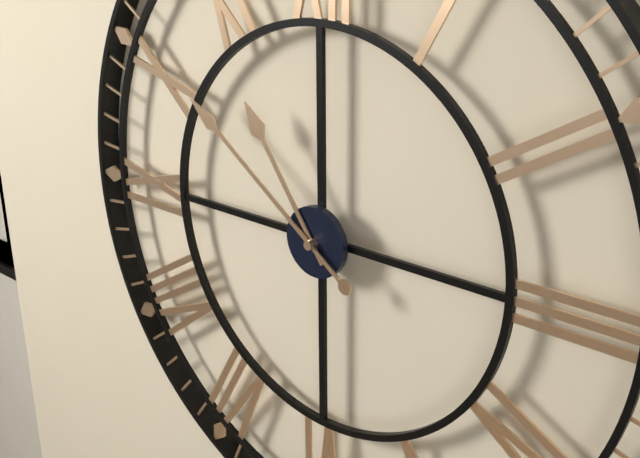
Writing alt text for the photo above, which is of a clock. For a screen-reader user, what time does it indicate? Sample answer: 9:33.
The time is 10:51
